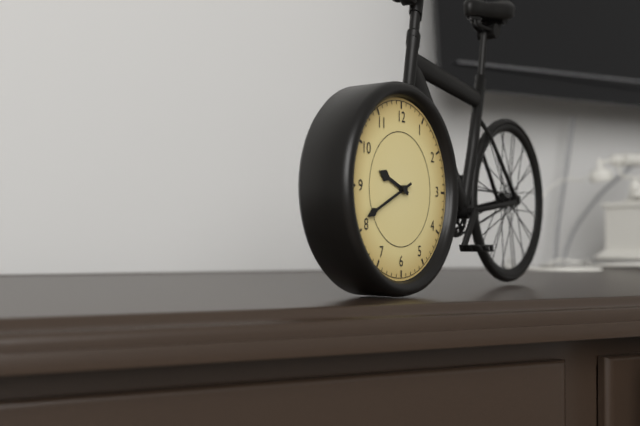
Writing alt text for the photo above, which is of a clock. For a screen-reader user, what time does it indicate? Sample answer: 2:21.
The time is 9:41
